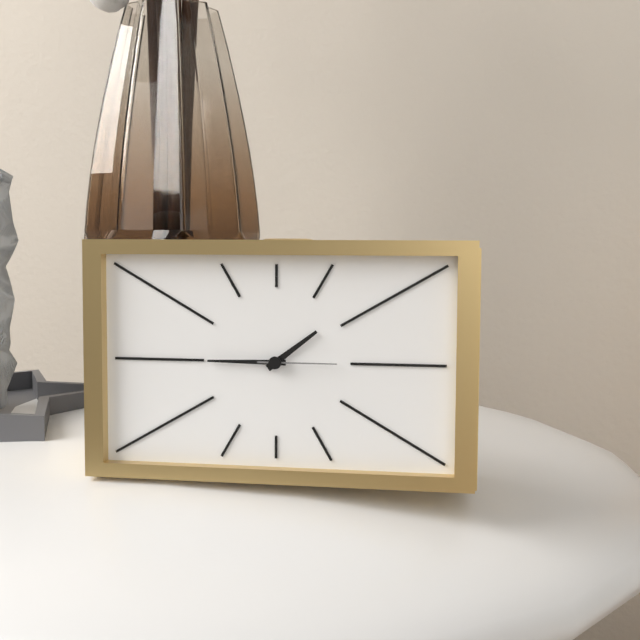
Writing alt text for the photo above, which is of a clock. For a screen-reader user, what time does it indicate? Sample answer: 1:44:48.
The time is 1:45:15
